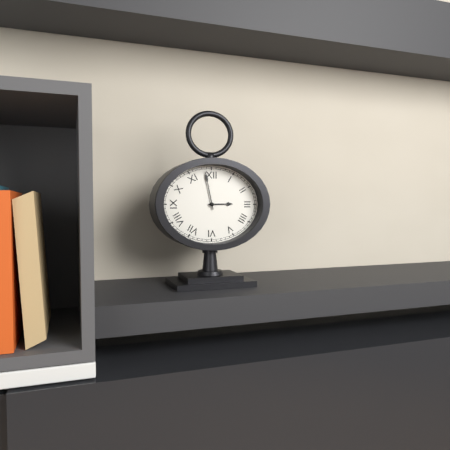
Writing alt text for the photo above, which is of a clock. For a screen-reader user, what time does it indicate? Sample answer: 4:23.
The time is 2:58
